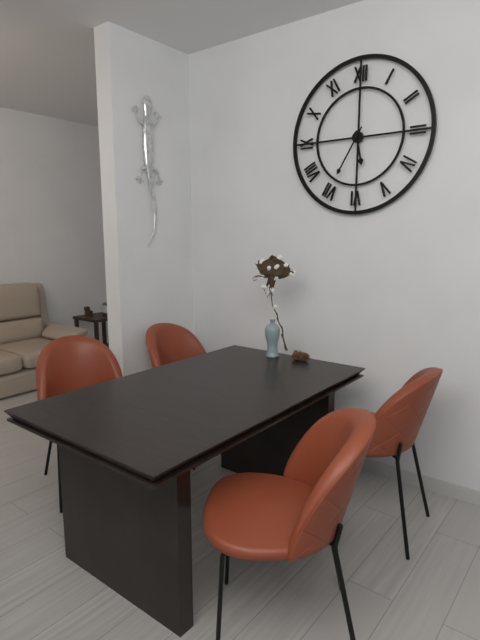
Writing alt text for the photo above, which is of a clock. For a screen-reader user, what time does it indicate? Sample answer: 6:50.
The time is 5:35
